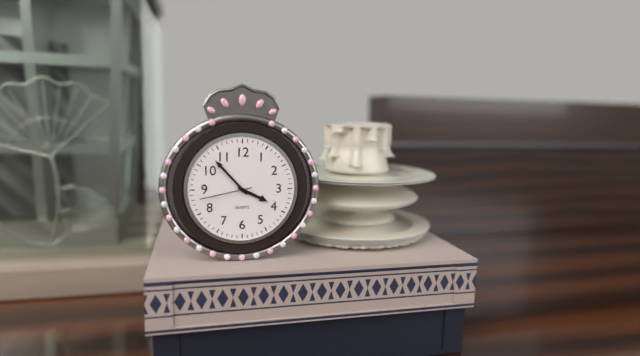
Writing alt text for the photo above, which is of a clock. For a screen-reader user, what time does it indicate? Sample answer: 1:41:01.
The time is 3:53:43
